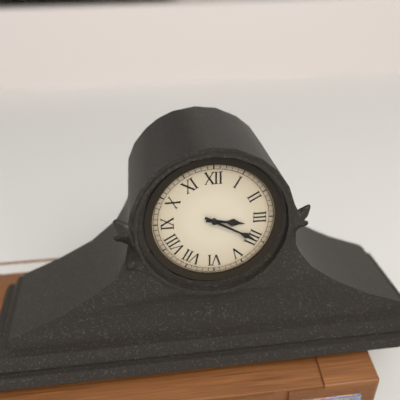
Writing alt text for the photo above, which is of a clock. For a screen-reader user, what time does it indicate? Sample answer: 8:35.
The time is 3:20
